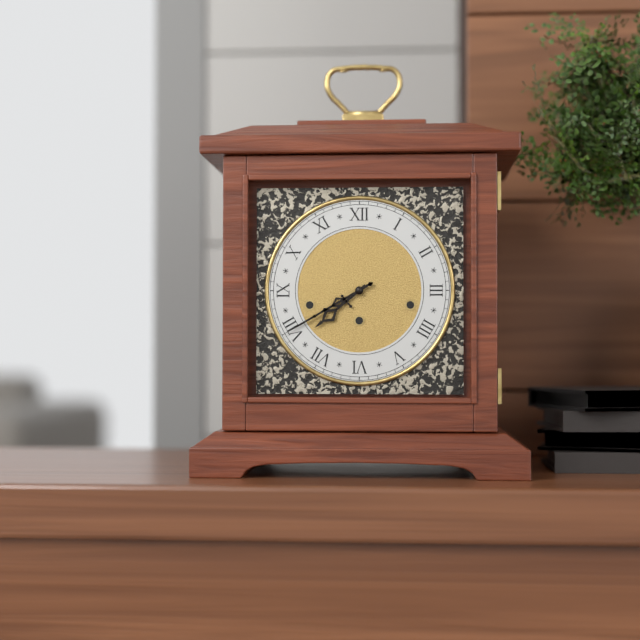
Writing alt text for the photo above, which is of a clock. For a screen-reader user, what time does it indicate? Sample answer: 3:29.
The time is 7:40
